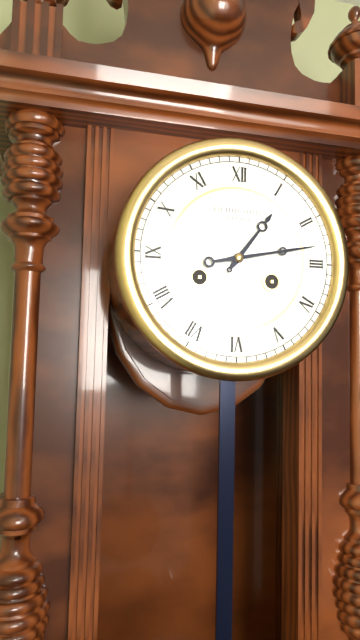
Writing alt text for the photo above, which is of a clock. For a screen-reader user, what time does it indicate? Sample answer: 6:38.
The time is 1:13
